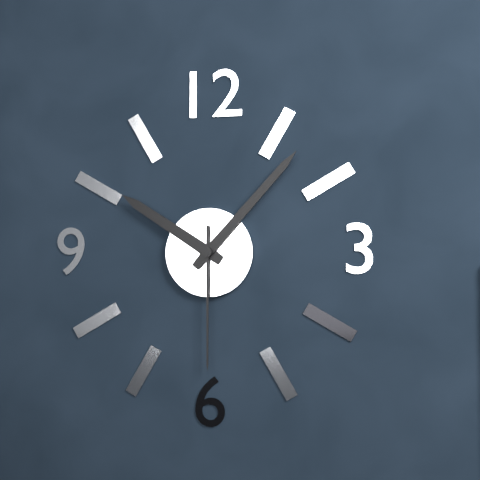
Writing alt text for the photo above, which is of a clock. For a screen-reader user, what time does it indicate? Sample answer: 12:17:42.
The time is 10:07:30
